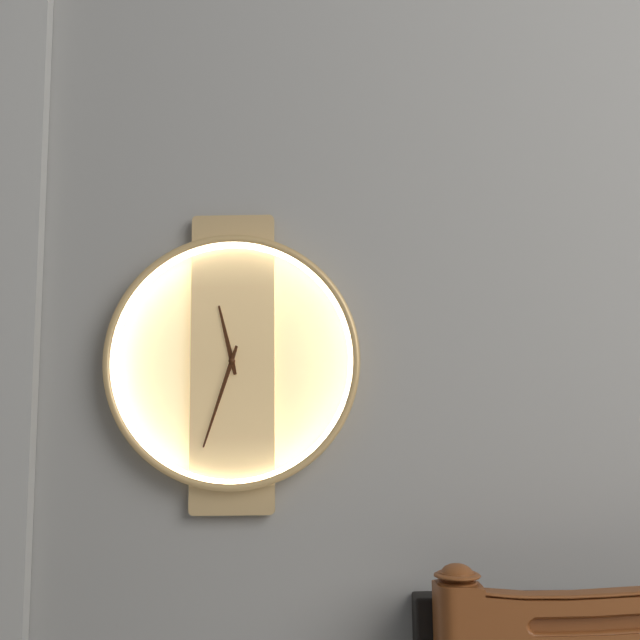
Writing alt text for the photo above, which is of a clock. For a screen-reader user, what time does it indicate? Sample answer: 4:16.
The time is 11:33
